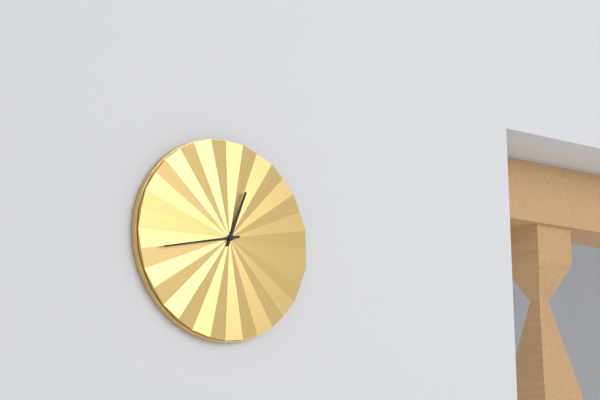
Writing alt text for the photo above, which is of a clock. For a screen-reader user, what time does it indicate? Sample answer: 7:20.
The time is 12:43
